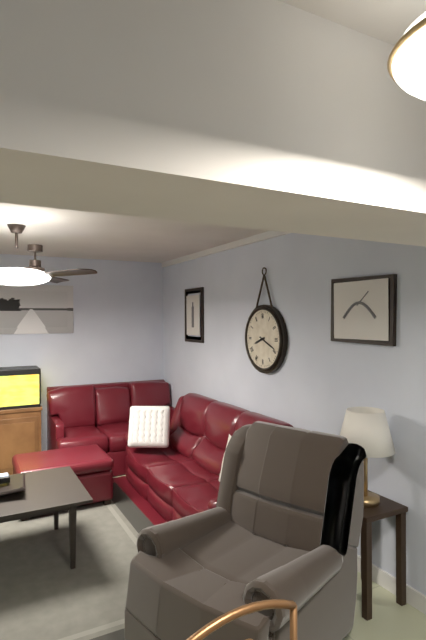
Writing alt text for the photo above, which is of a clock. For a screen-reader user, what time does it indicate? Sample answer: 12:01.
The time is 8:19
